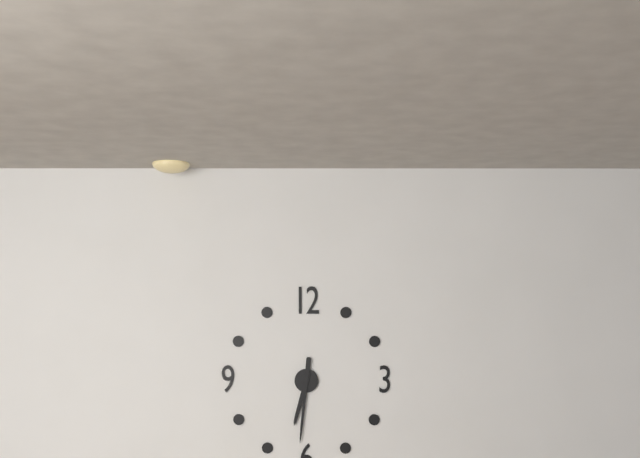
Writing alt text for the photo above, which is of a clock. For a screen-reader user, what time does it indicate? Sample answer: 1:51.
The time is 6:31
